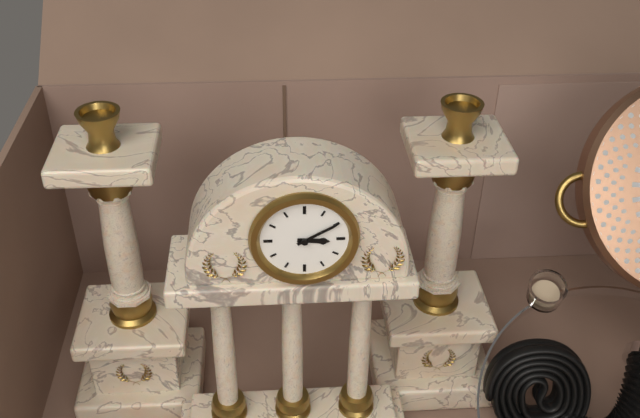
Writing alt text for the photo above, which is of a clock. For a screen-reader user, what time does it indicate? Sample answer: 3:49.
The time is 3:10
